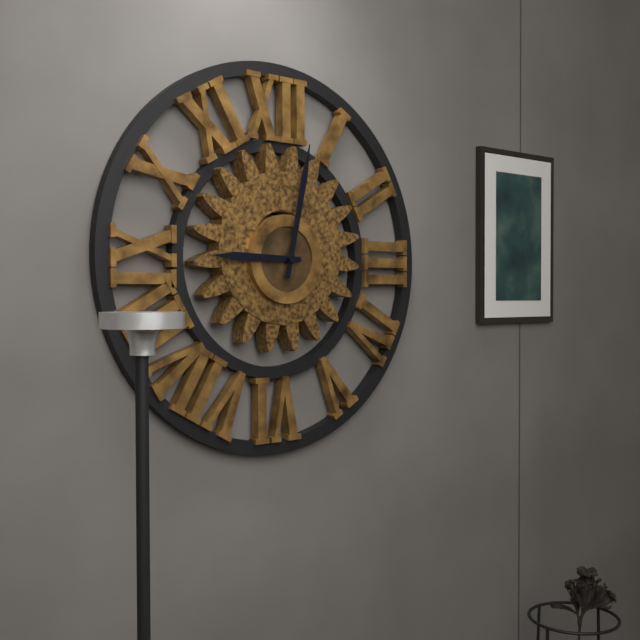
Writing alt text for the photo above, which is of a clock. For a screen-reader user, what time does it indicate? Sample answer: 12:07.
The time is 9:02
